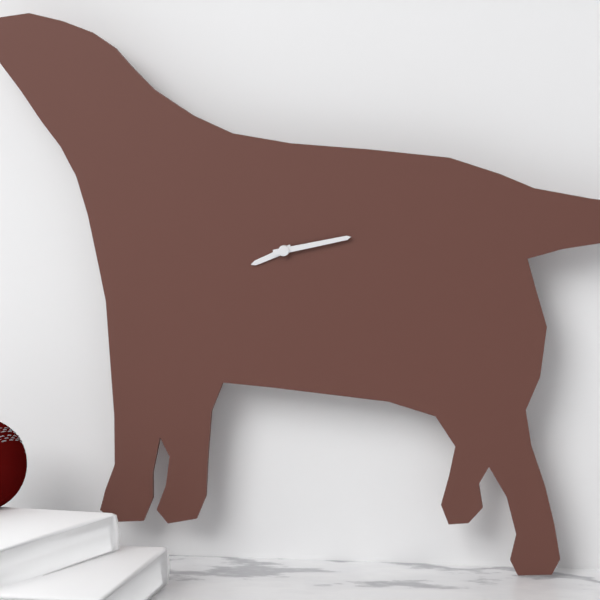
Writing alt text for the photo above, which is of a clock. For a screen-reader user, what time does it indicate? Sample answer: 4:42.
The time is 8:13
